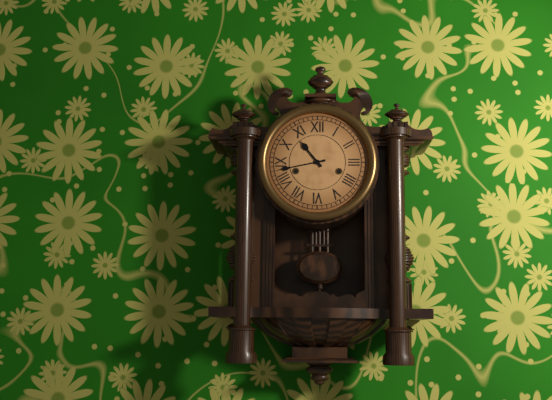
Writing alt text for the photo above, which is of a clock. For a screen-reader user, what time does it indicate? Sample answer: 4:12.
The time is 10:43
